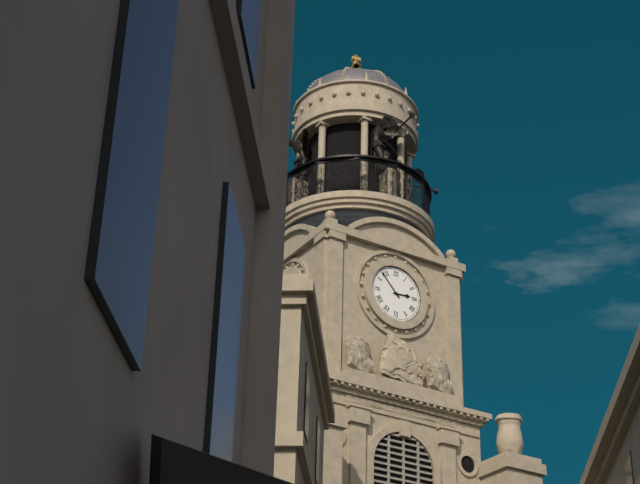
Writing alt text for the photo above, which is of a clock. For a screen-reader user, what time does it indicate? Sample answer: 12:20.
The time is 2:53
